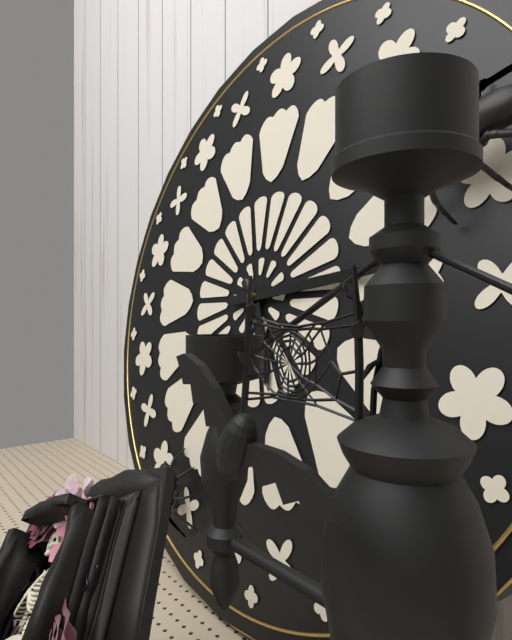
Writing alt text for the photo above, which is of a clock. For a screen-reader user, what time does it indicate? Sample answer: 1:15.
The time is 5:14
